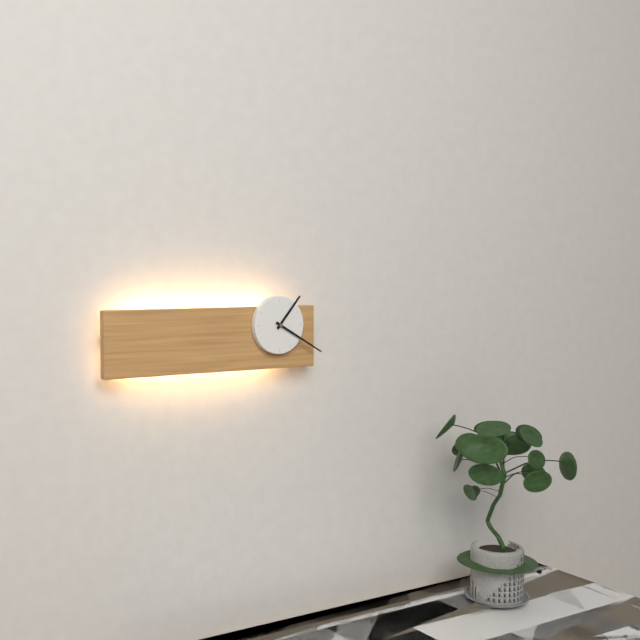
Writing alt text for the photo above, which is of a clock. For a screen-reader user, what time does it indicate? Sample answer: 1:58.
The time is 1:20
